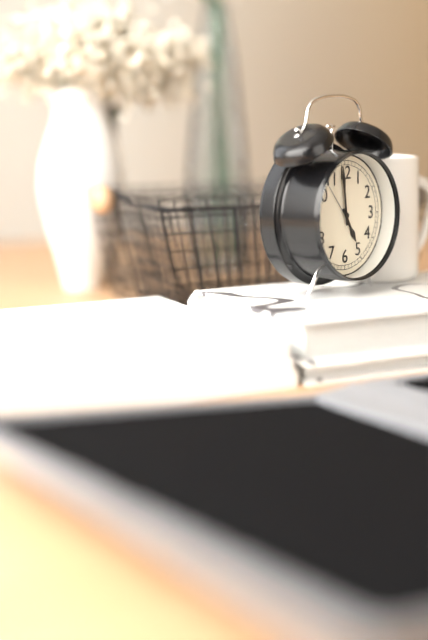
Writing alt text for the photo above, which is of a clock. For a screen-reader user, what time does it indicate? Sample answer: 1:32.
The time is 4:59
